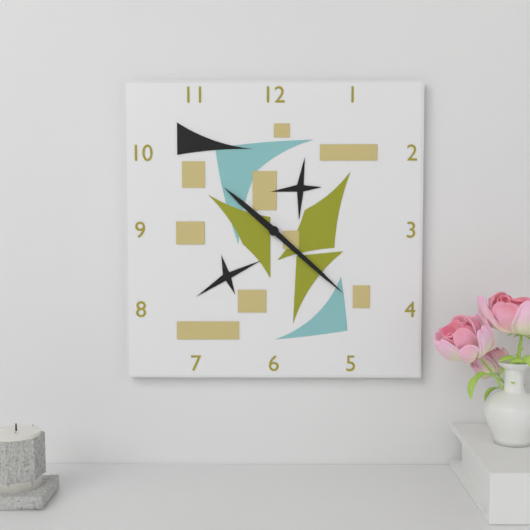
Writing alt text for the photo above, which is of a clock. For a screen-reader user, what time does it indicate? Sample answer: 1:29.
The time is 10:22
